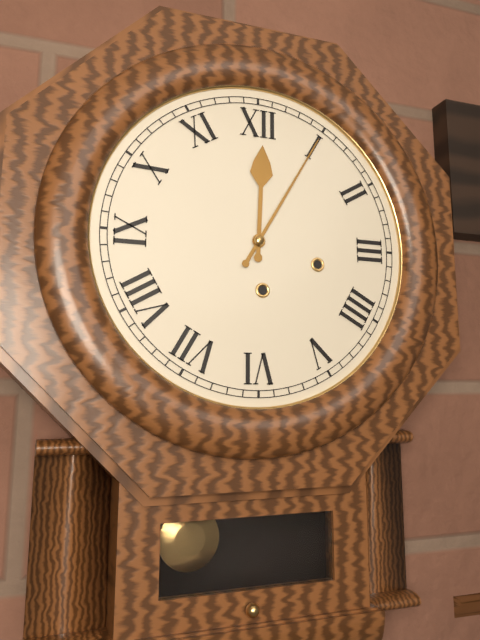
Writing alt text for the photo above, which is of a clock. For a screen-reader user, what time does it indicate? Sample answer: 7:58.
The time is 12:05
